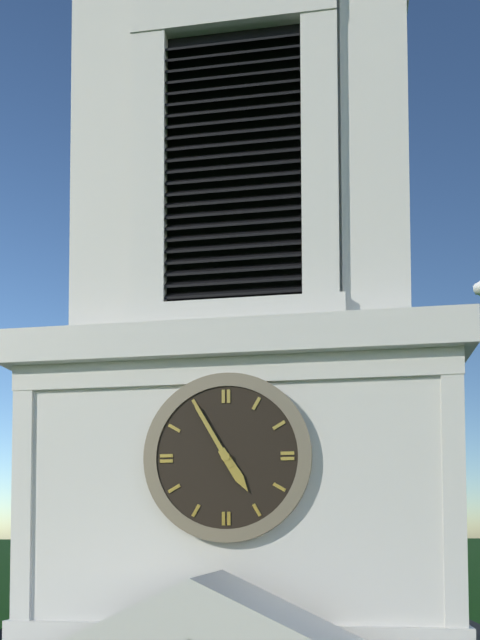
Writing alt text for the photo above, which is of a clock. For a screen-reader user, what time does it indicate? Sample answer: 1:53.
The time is 4:55
